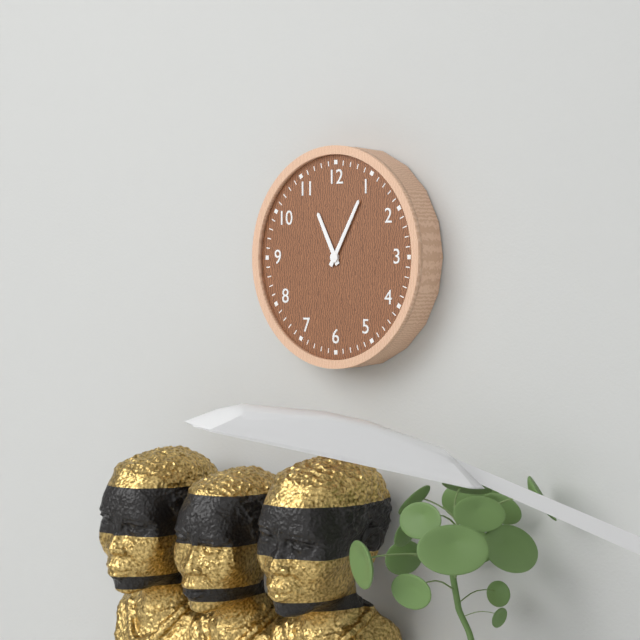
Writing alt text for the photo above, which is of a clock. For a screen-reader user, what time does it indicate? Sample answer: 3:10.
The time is 11:05
